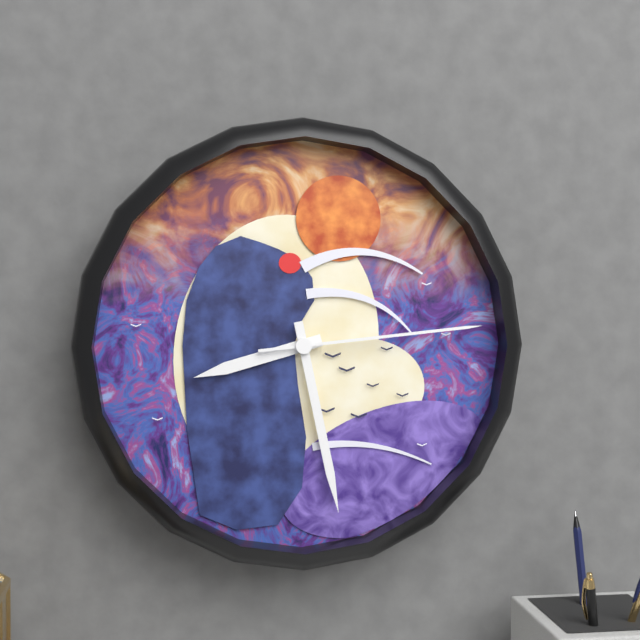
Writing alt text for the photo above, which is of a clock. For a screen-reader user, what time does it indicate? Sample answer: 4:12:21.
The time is 8:28:14
